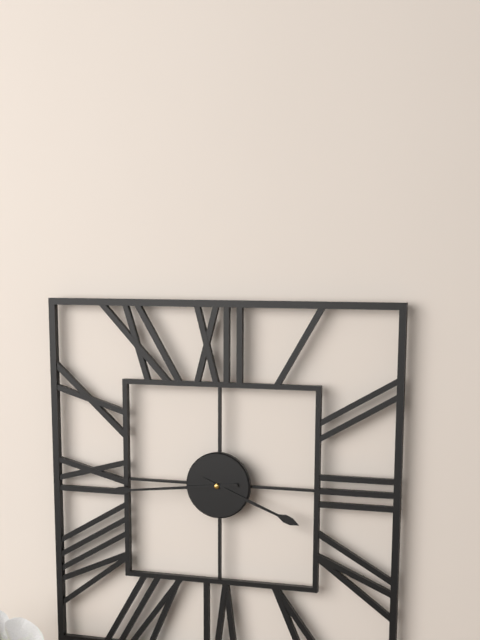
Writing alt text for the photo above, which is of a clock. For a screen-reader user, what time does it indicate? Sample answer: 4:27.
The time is 3:44
